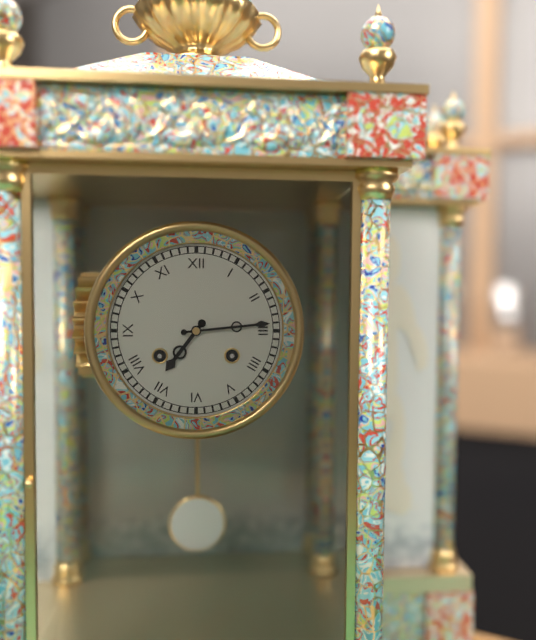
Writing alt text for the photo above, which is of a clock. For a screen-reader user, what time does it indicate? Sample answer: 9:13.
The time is 7:14
